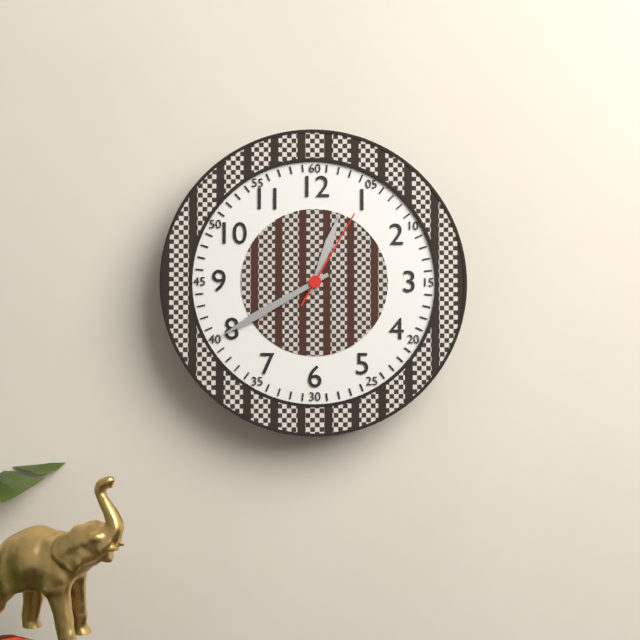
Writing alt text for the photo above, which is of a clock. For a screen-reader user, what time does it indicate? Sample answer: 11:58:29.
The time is 12:40:05
